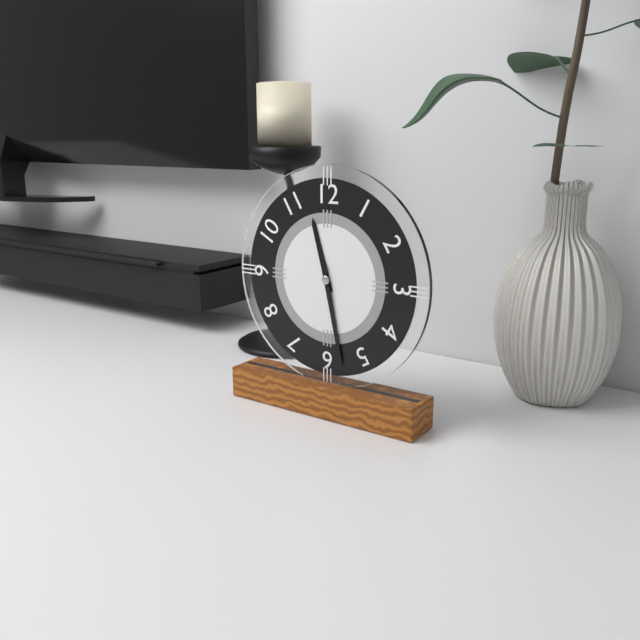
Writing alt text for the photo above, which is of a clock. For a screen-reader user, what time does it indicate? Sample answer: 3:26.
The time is 11:28
